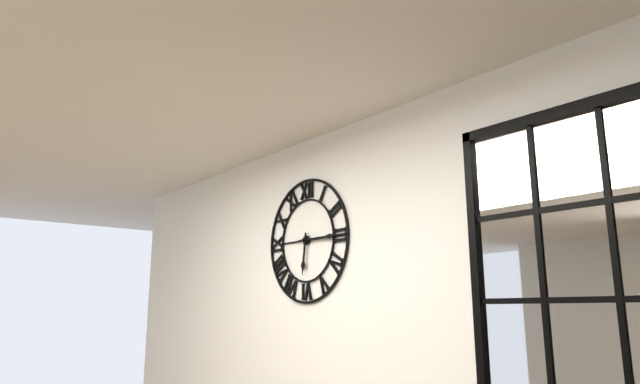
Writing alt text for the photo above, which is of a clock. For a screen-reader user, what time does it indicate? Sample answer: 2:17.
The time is 6:15
